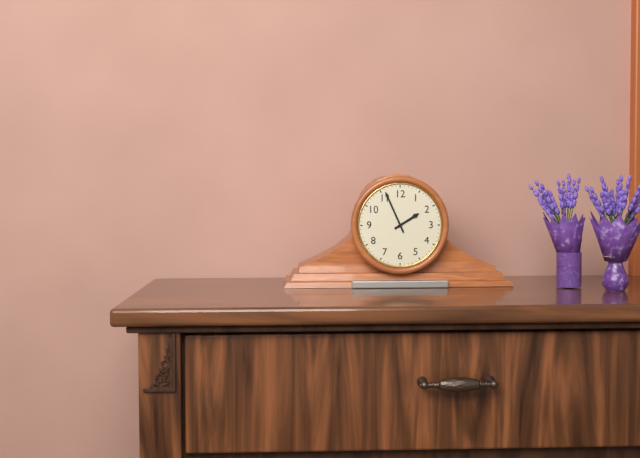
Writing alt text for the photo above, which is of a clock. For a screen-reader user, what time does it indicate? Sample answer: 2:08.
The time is 1:56
